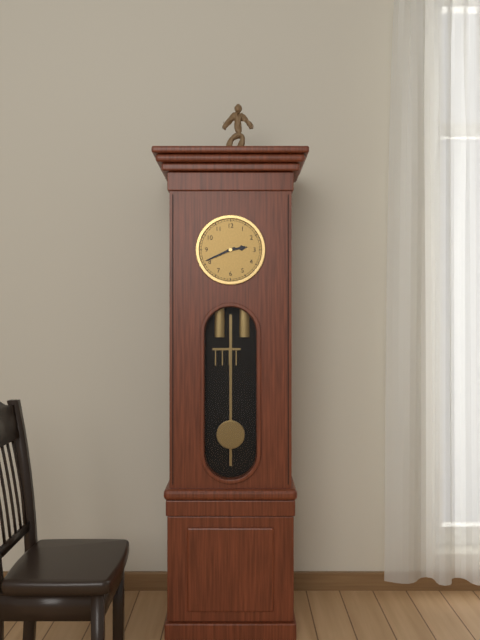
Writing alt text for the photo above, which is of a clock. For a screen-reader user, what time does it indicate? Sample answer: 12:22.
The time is 2:41
